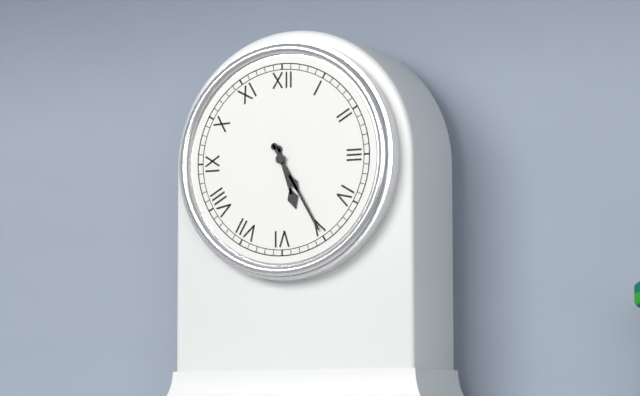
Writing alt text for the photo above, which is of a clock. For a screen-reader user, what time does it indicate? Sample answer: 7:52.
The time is 5:25
